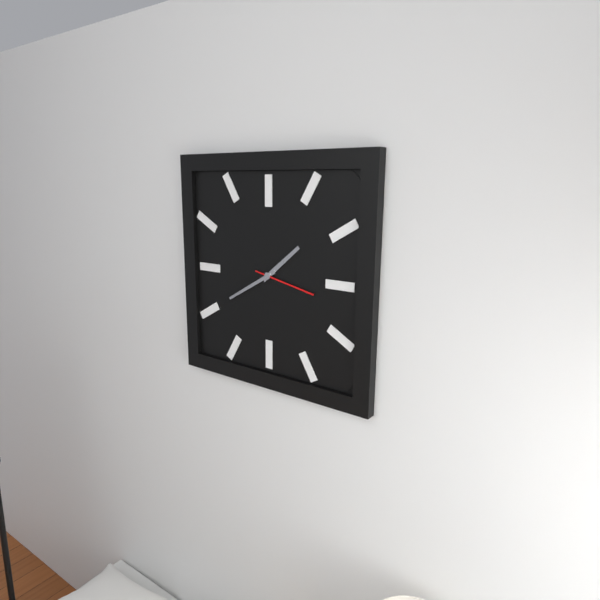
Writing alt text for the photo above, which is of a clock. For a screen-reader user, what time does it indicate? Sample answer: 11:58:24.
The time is 1:40:17
